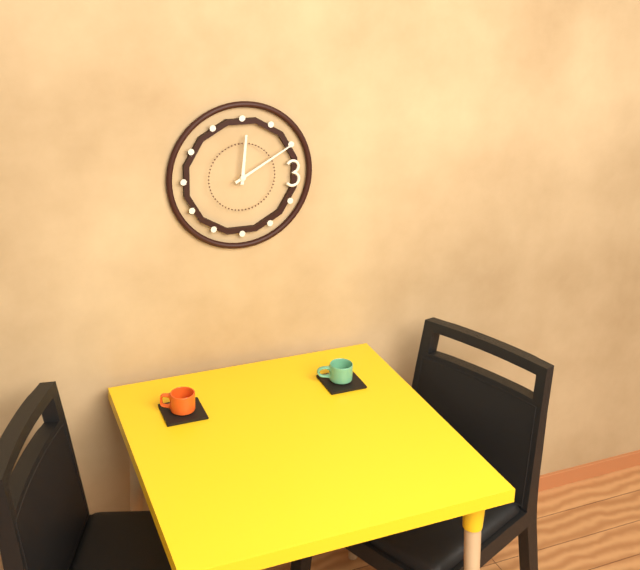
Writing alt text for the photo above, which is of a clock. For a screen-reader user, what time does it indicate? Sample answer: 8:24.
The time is 12:10
